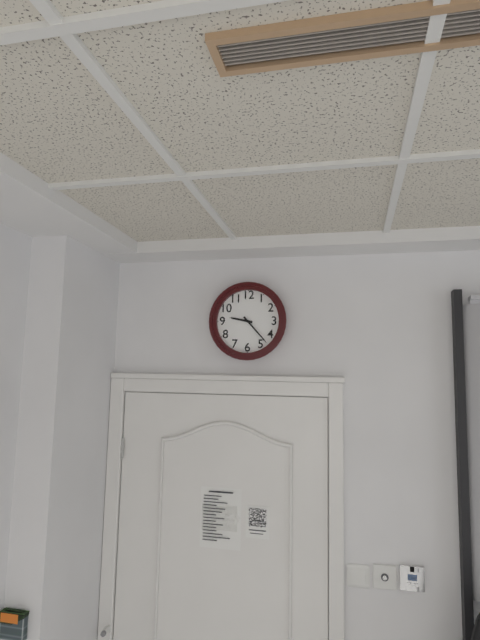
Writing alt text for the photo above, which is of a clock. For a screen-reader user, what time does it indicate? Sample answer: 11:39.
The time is 9:23
